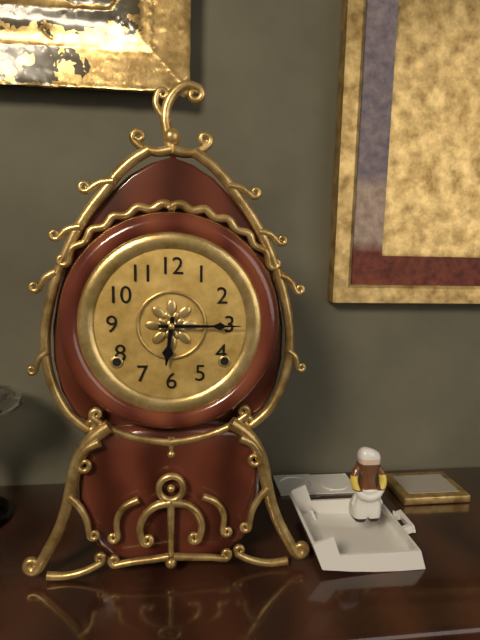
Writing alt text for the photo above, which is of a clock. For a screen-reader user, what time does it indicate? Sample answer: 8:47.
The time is 6:15
